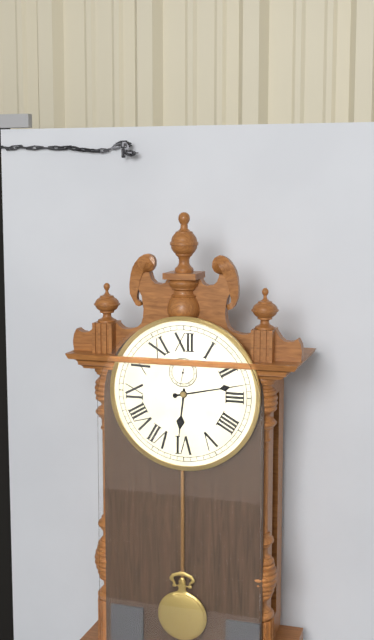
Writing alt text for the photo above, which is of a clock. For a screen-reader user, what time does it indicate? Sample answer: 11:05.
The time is 6:13
